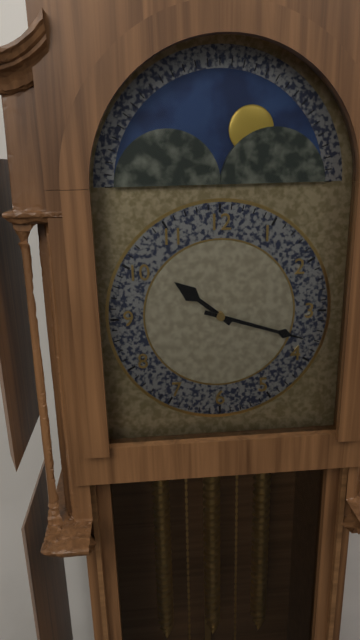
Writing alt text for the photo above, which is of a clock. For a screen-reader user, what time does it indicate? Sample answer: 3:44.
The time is 10:18
